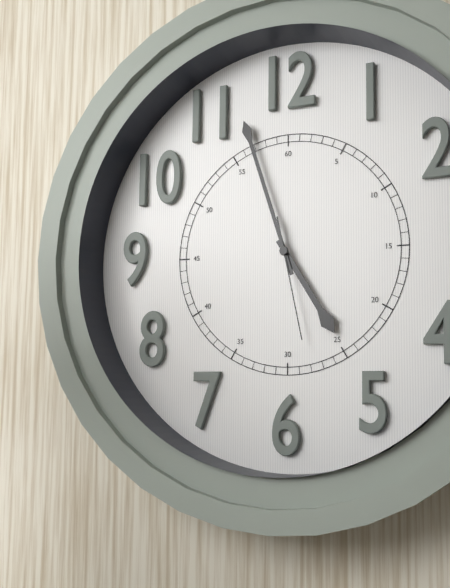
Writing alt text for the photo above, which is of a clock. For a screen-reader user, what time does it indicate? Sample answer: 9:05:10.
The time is 4:57:28
